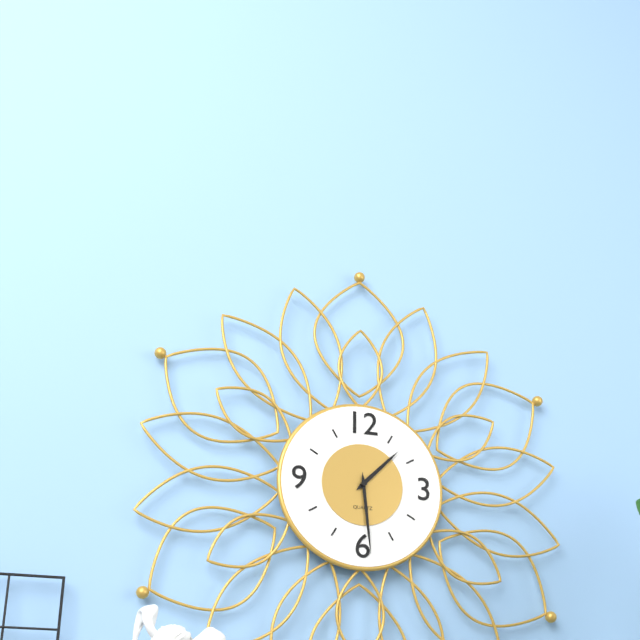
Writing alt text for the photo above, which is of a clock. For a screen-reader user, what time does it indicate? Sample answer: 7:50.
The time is 1:29
